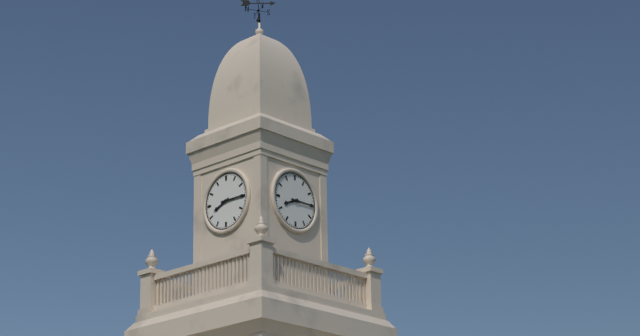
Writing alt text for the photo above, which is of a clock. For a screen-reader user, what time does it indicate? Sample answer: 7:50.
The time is 8:15
